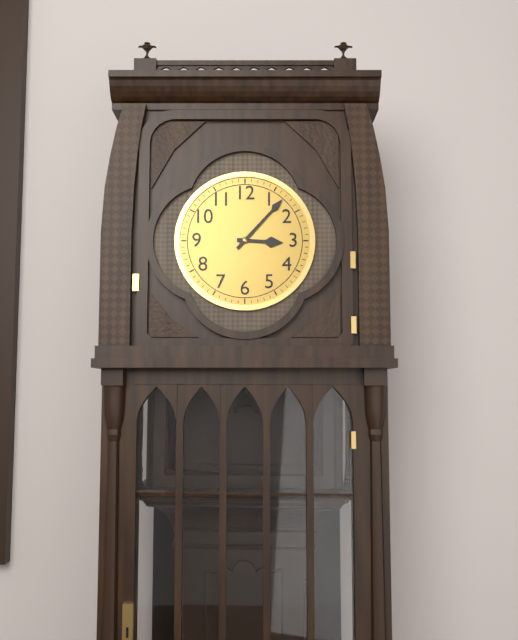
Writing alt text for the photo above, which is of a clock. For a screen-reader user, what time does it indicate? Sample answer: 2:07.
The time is 3:07
